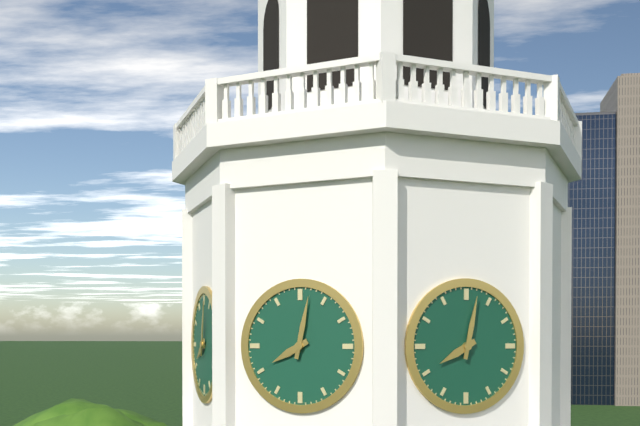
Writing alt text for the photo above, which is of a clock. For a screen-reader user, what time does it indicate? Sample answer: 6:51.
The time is 8:02
